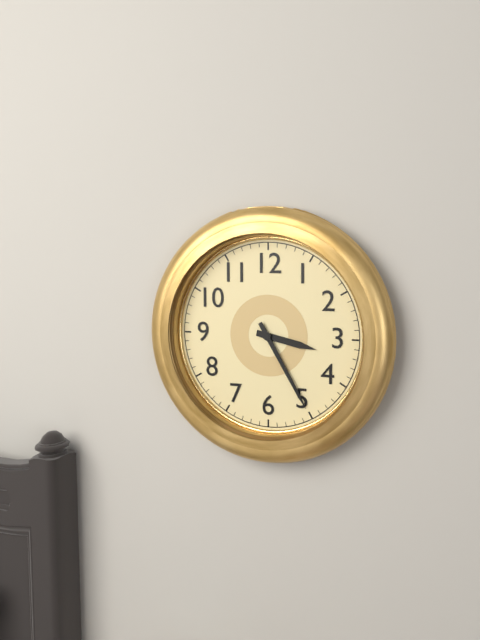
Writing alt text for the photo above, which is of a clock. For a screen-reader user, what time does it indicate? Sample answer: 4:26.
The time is 3:25
